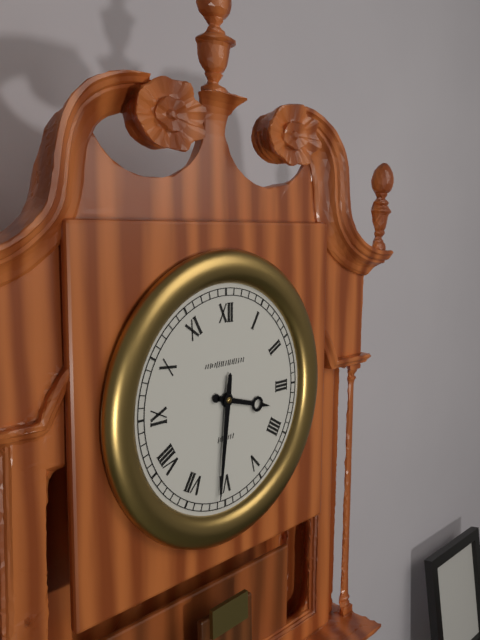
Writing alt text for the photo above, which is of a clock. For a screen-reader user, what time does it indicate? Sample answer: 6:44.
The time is 3:31
